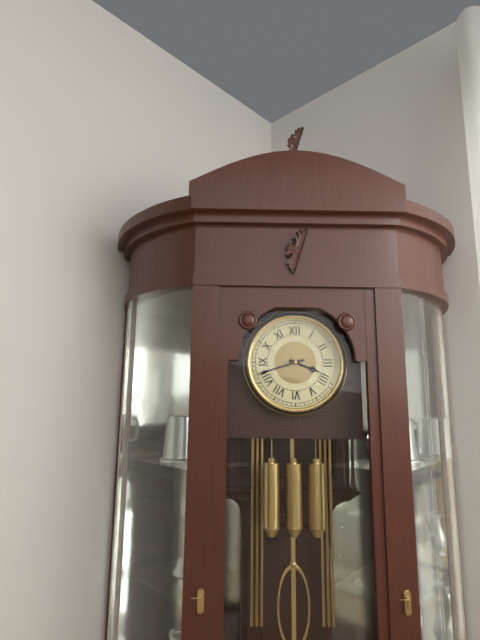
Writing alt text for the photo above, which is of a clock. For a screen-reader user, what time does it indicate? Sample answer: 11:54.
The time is 3:42
